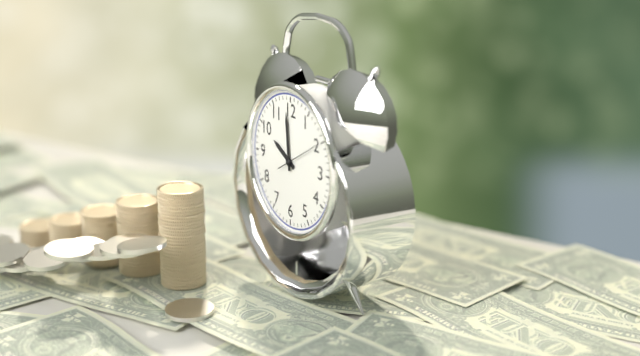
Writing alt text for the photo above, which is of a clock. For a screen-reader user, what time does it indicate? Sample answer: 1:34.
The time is 9:59
